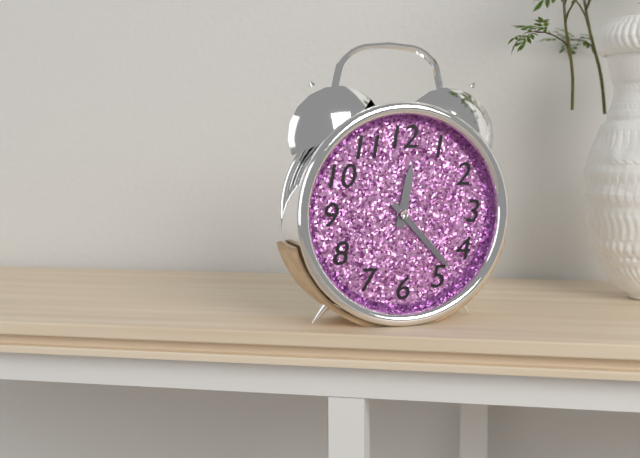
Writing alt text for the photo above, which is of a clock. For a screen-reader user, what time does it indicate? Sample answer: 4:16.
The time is 12:23
